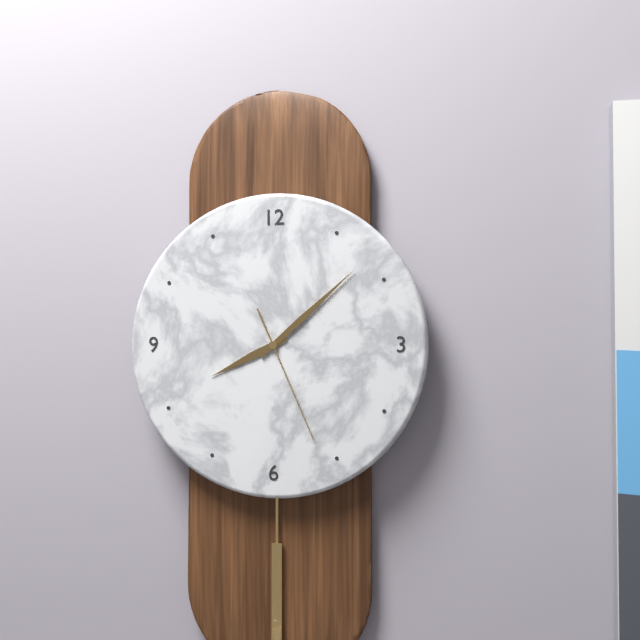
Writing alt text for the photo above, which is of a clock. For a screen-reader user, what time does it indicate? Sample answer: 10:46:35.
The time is 8:08:26
